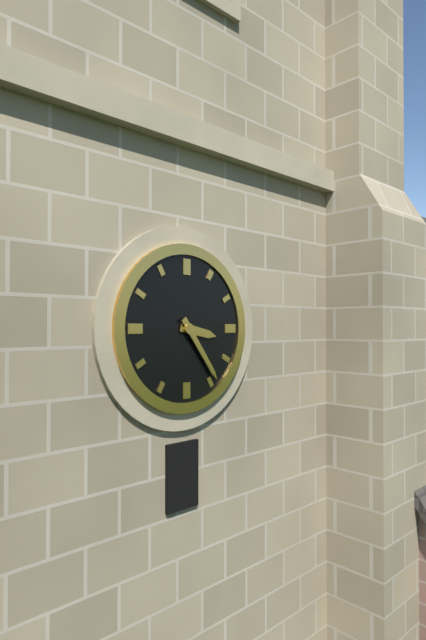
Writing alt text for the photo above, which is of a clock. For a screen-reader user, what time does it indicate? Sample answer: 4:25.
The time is 3:24
